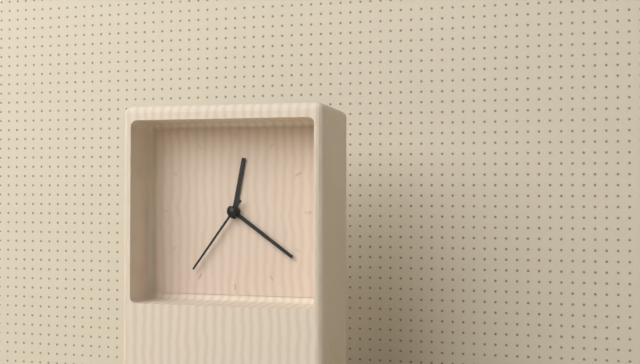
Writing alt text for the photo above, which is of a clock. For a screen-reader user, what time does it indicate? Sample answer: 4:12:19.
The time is 12:21:36
